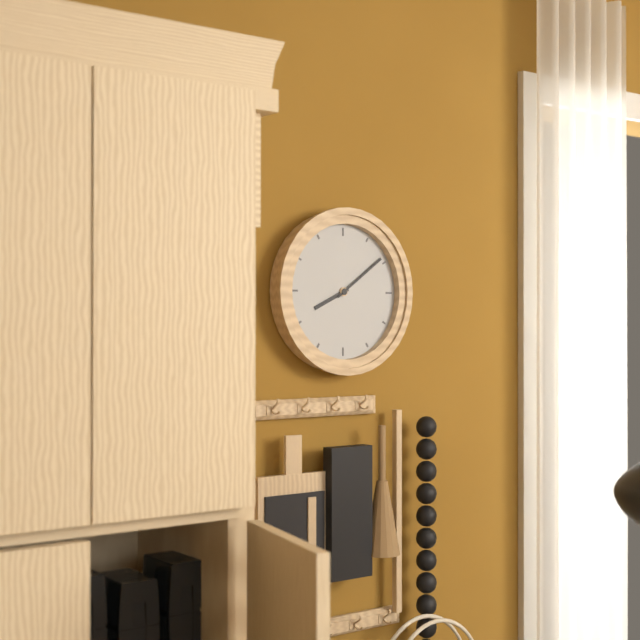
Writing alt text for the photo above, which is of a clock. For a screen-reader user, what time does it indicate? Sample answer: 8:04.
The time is 8:09
